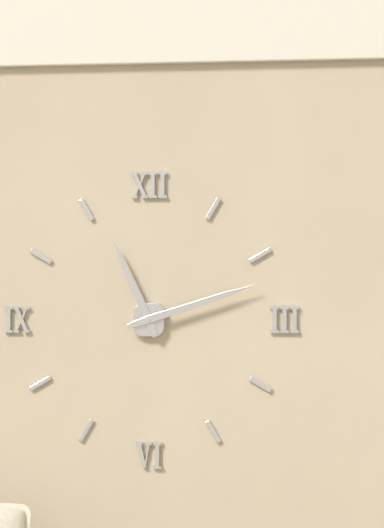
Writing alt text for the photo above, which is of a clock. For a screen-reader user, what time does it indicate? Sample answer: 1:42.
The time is 11:12
